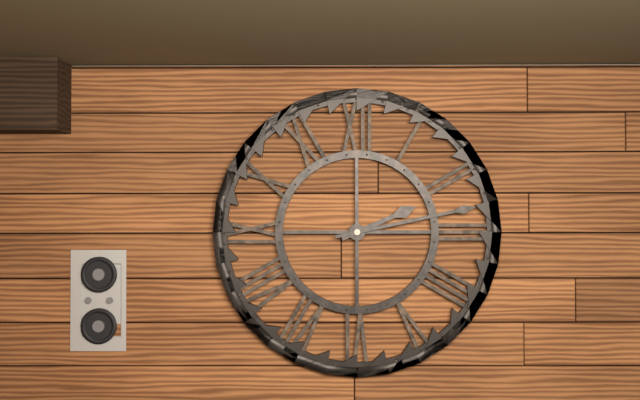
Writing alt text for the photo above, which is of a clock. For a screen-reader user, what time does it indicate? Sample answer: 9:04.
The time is 2:13
